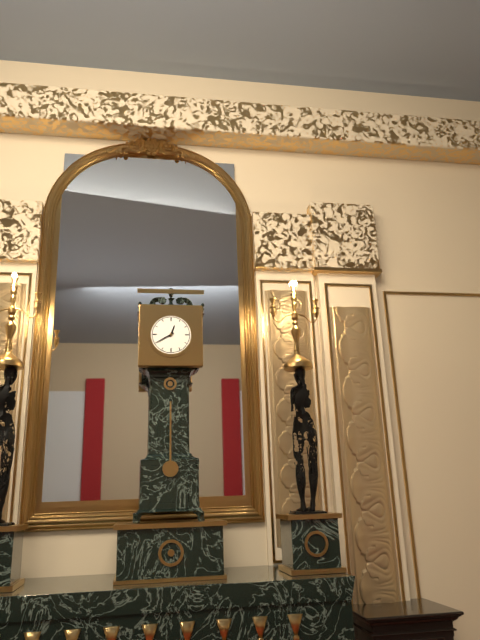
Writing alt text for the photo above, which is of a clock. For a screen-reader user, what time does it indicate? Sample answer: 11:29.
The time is 12:40
